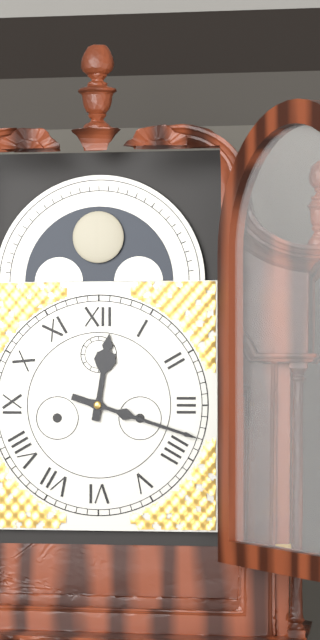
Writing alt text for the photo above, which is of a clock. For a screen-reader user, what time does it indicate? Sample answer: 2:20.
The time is 12:18
